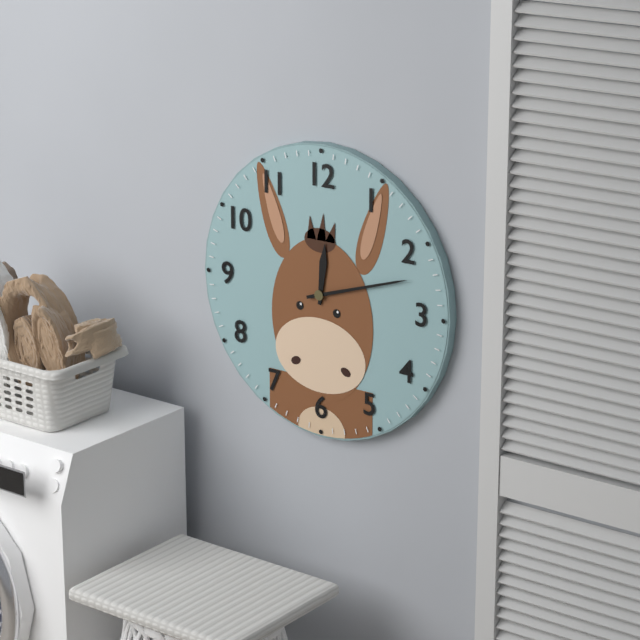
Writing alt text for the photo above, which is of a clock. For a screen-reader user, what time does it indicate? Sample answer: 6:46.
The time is 12:12
